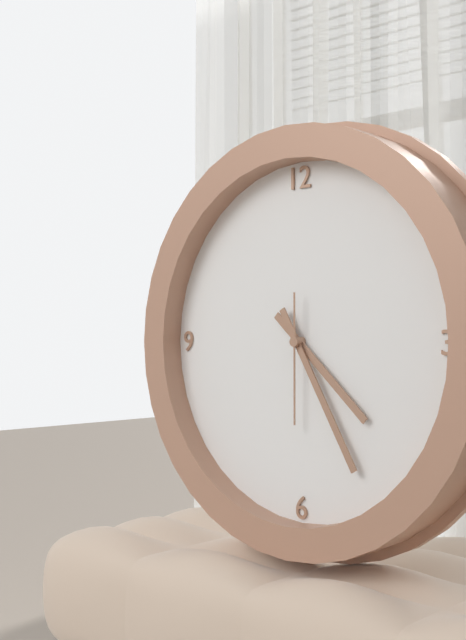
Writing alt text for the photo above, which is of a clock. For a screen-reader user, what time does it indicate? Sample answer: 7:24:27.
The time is 4:25:30
